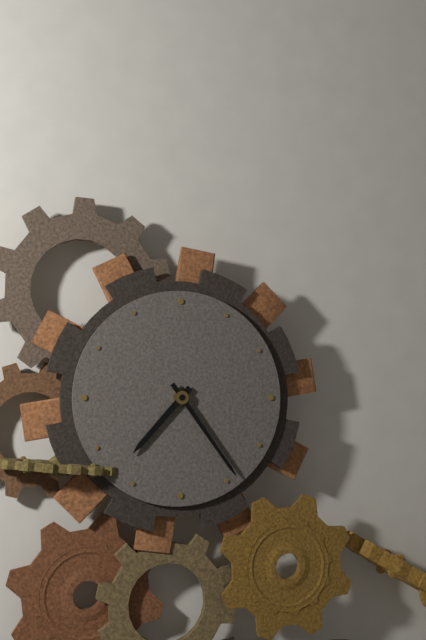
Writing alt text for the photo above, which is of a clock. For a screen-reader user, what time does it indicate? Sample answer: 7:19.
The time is 7:24
